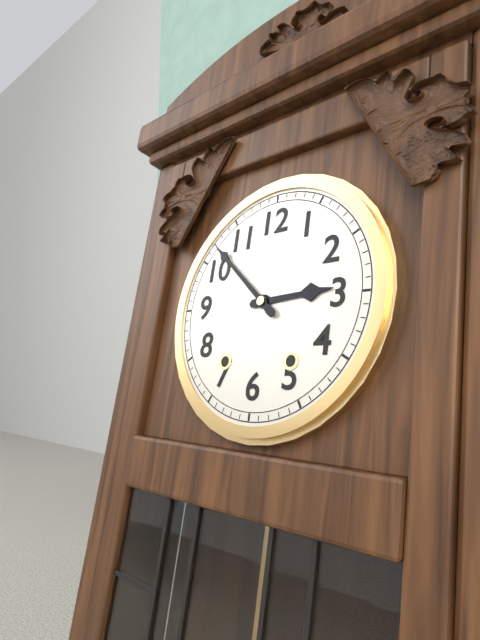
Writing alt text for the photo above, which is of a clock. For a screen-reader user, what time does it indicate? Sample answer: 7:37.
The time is 2:52
